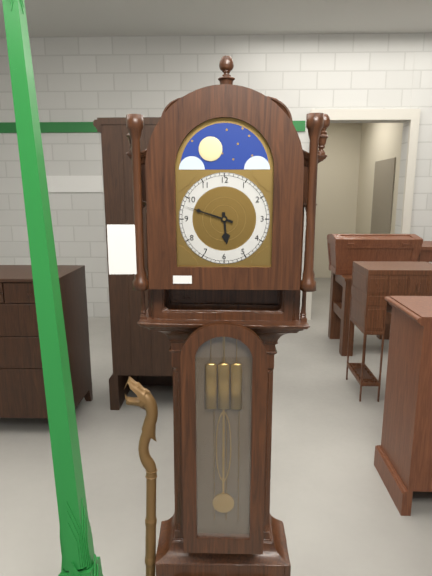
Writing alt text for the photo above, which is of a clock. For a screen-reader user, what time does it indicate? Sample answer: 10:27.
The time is 5:48
